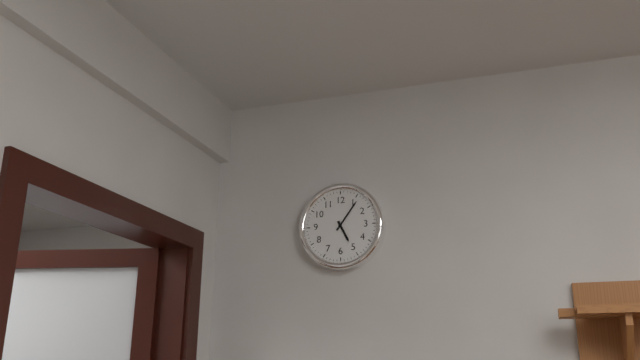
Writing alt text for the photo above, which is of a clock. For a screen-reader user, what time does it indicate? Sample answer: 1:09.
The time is 5:06
